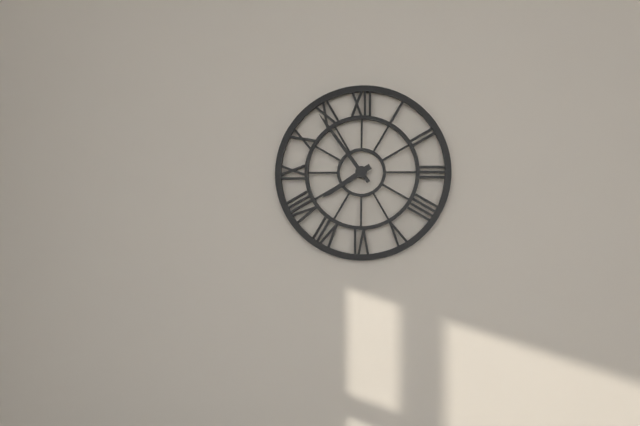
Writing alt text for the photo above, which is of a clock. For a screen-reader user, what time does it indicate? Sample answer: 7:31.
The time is 7:54
